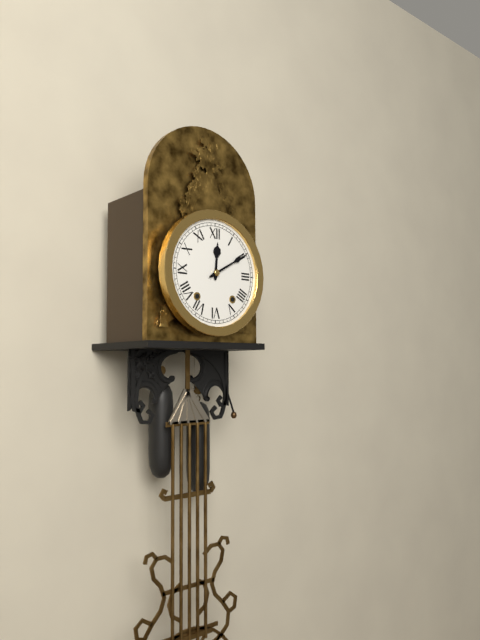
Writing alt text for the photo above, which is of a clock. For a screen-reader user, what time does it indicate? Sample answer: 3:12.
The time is 12:10
